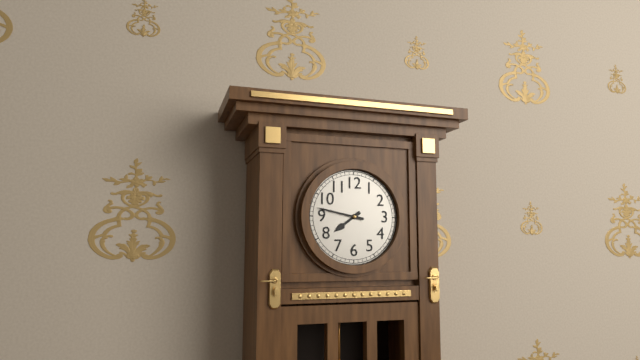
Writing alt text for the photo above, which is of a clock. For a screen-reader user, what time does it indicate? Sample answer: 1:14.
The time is 7:47
